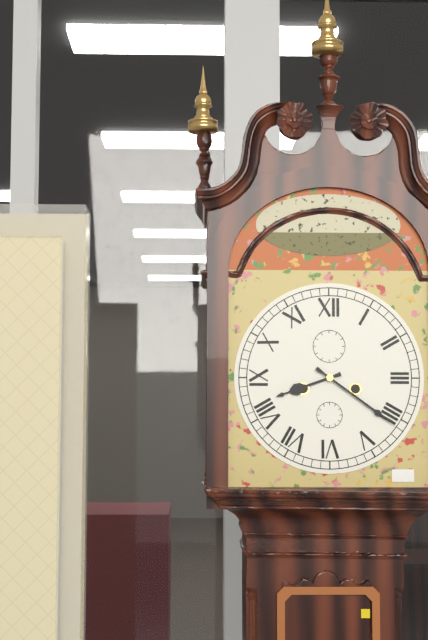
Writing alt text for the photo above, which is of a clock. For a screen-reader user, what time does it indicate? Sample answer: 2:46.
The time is 8:21
